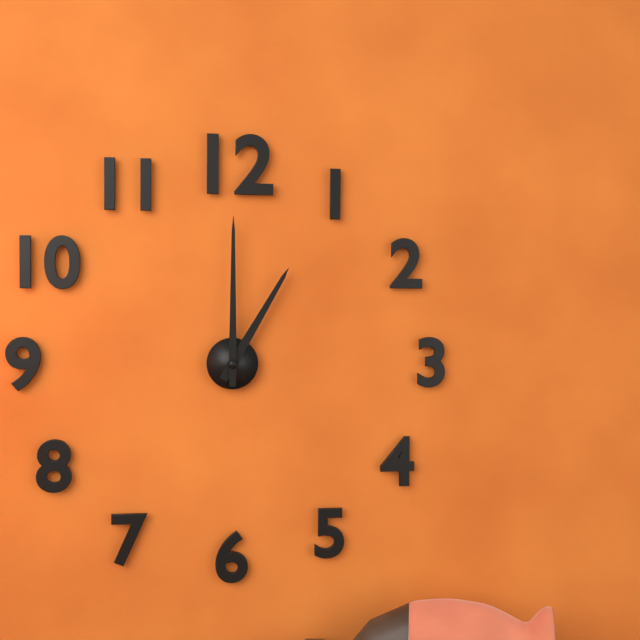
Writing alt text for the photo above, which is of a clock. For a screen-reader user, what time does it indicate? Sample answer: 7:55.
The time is 1:00
